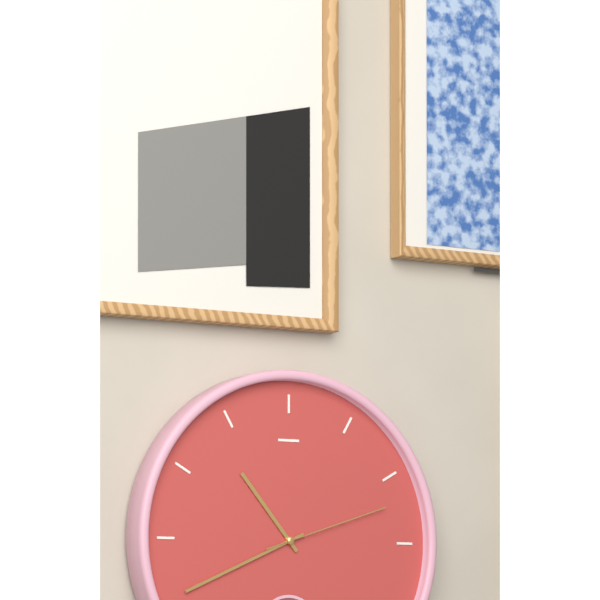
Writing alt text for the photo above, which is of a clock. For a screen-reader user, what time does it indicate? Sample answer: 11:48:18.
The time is 10:41:12
